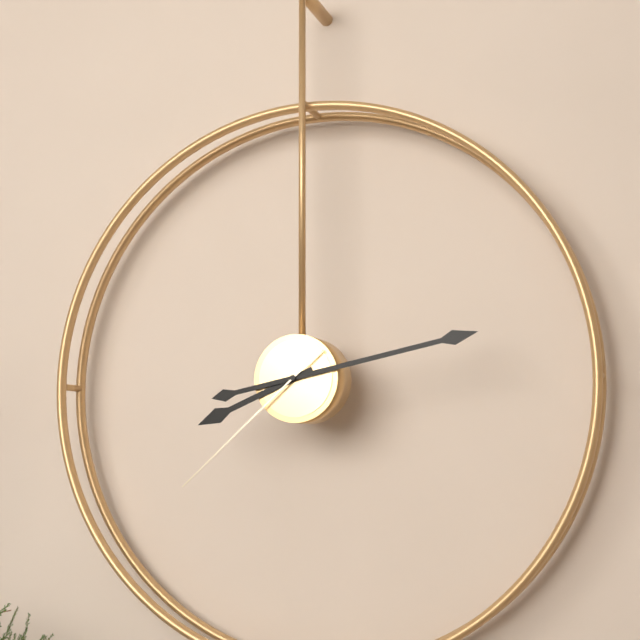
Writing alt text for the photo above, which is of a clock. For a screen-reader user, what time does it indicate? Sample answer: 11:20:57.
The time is 8:13:38
